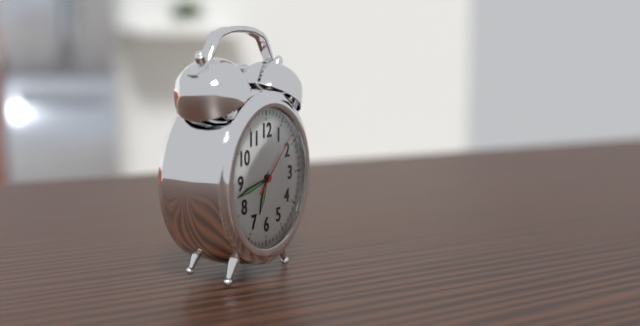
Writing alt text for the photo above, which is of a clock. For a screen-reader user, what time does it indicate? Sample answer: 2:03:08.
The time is 6:43:08
